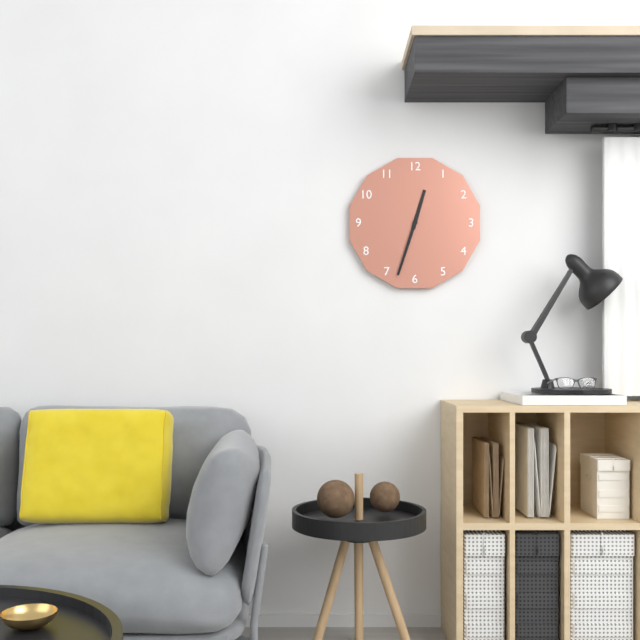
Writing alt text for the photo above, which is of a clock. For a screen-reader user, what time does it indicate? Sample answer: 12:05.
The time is 12:33
